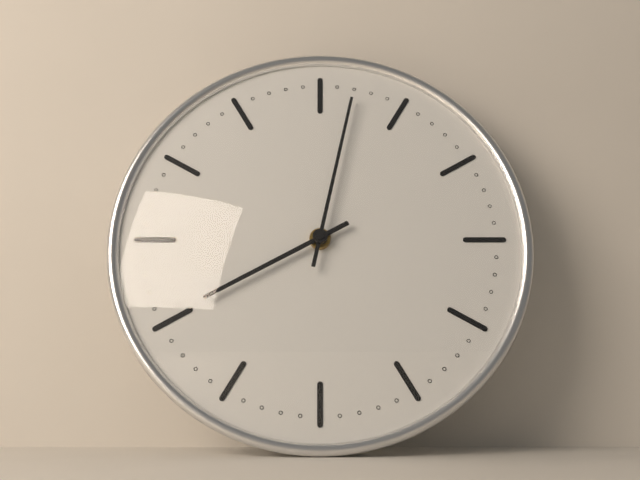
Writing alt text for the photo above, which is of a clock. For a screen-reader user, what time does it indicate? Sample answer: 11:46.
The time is 8:02
